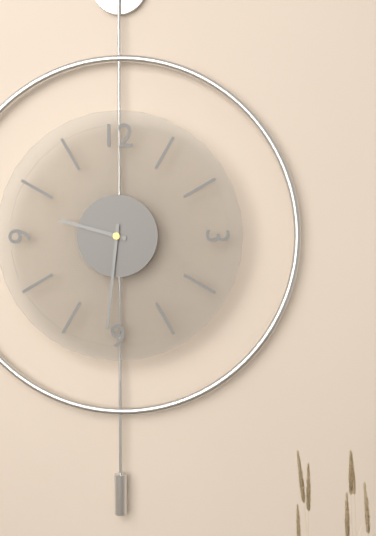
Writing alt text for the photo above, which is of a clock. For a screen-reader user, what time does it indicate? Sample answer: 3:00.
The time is 9:31
